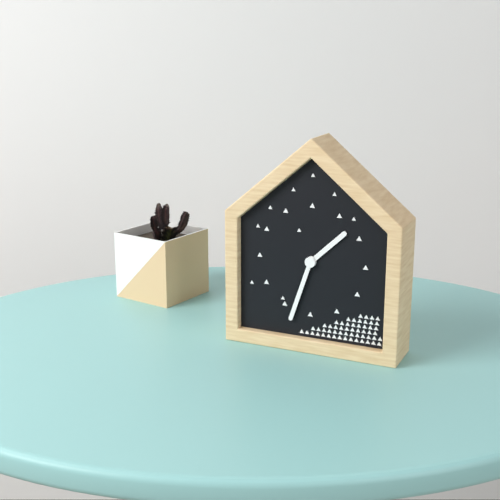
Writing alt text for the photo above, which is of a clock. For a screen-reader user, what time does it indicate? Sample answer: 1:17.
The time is 1:33
